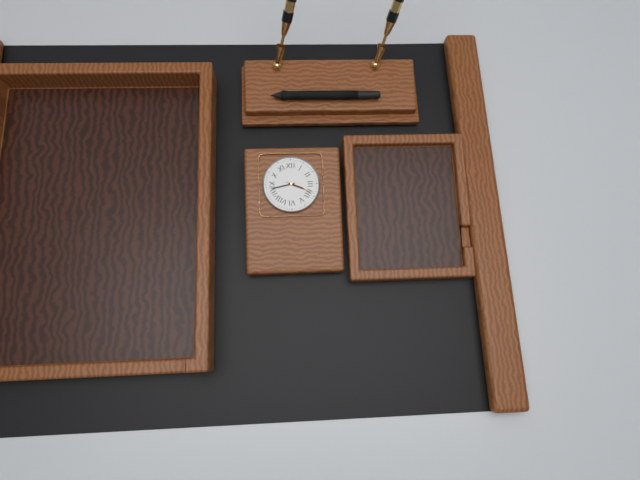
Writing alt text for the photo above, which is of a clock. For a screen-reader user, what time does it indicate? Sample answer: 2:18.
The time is 3:43
